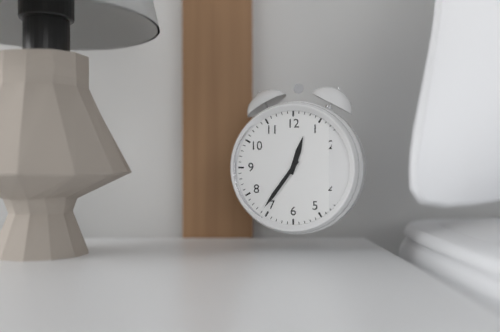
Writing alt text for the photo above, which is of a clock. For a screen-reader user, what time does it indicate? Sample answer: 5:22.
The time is 12:36
